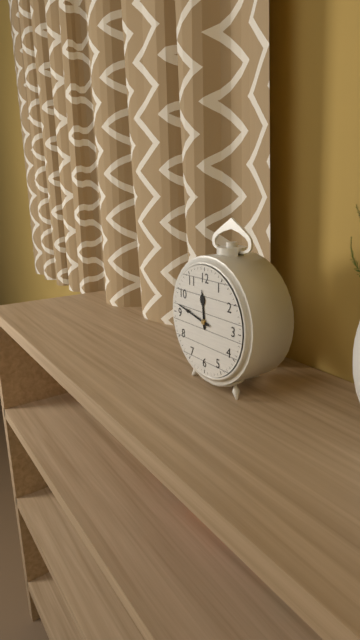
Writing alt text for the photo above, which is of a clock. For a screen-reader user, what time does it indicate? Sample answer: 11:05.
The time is 11:47
